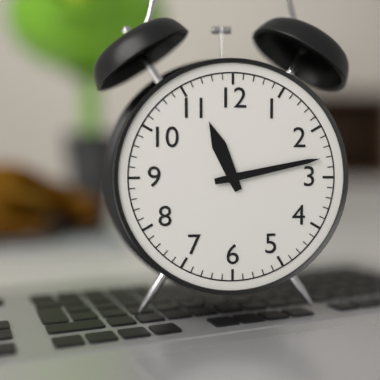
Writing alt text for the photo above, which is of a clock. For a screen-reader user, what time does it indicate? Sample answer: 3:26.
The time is 11:13
